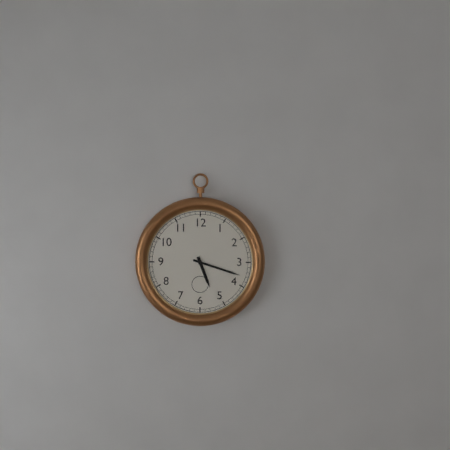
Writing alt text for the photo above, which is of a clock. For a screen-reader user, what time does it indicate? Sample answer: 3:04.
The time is 5:18
